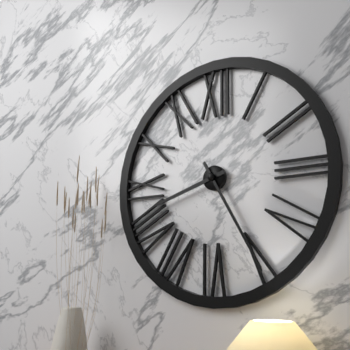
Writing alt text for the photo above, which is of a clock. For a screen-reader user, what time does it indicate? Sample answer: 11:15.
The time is 8:25
